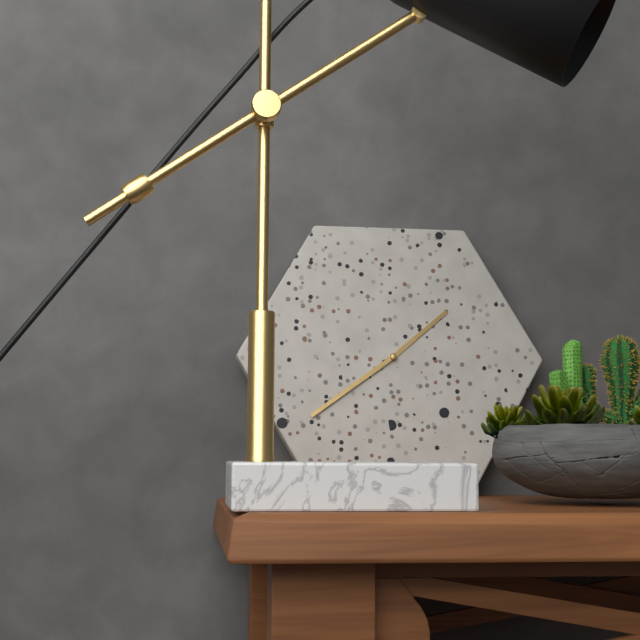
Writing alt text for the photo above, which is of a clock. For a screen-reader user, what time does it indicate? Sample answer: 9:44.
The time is 1:39
